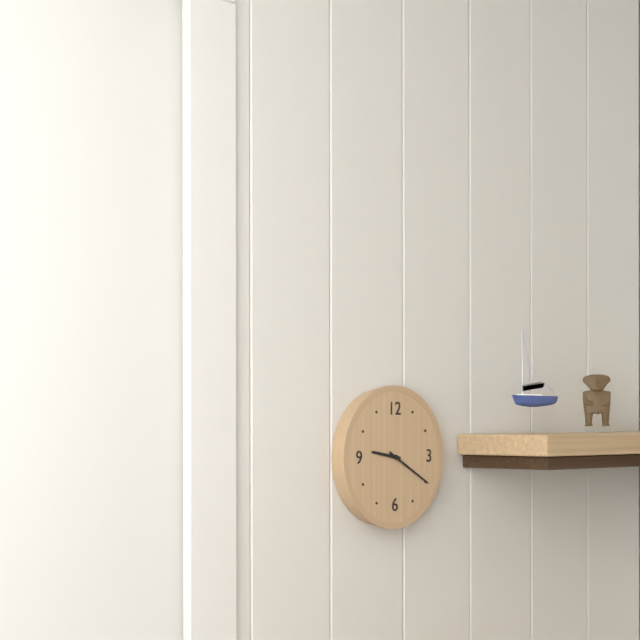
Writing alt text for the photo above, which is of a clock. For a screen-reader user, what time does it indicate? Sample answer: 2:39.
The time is 9:20
